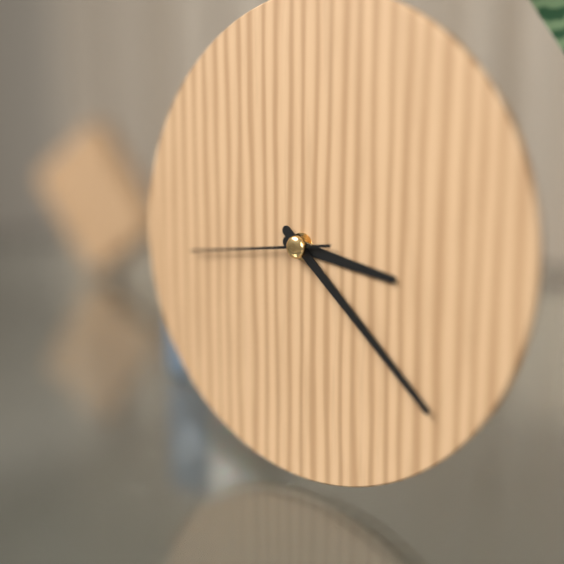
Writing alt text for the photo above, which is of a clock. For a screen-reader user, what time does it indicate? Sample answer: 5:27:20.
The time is 3:22:44
